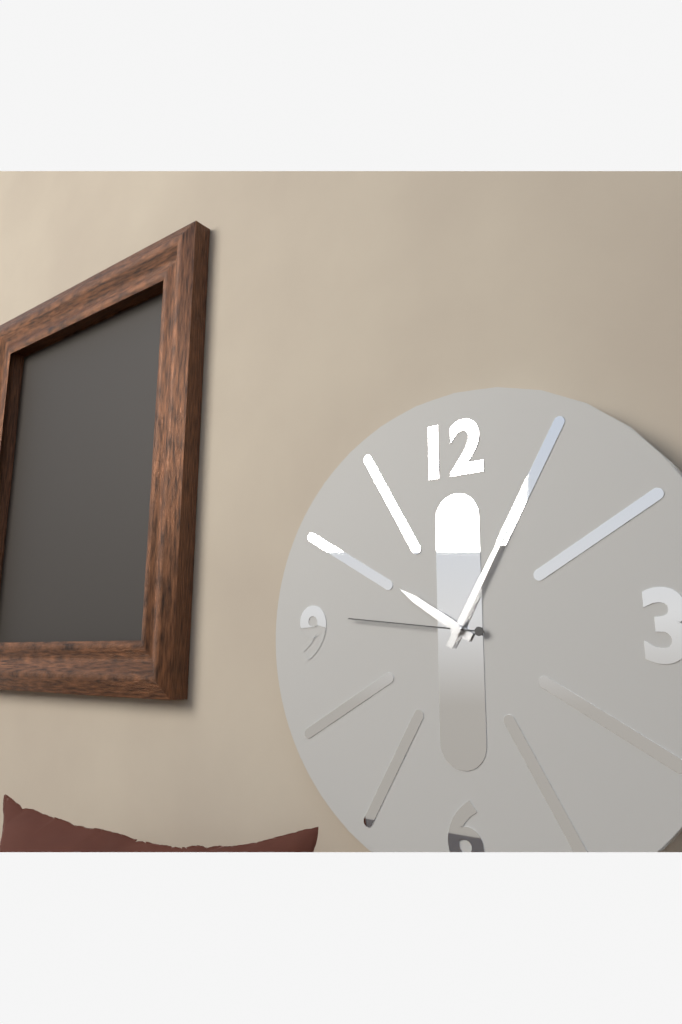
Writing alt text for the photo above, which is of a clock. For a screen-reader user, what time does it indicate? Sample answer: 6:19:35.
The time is 10:05:46
